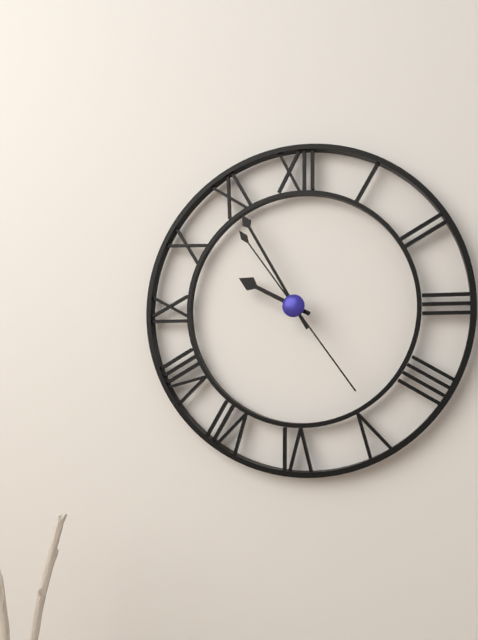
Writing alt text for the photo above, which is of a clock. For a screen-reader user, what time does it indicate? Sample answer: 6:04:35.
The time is 9:55:24
